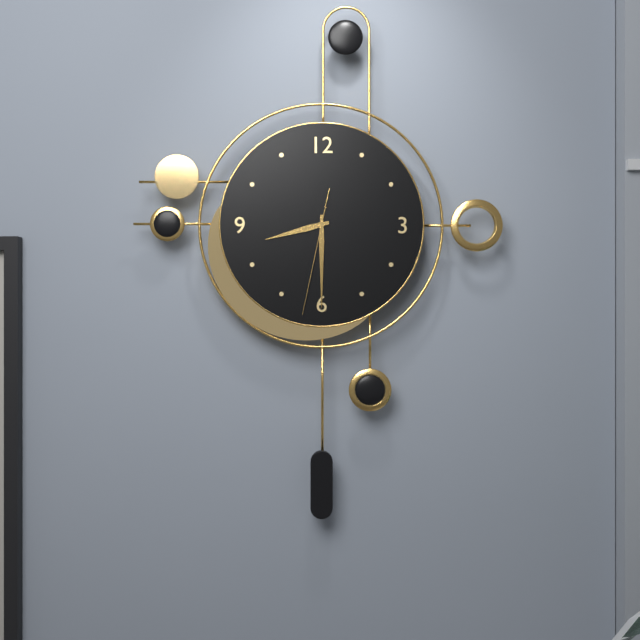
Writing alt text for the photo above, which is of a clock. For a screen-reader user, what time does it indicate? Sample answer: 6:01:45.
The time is 8:30:32
